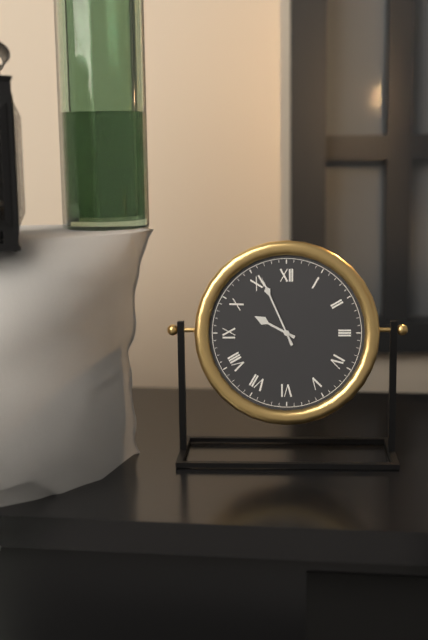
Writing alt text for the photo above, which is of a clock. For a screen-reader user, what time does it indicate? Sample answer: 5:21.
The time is 9:56
